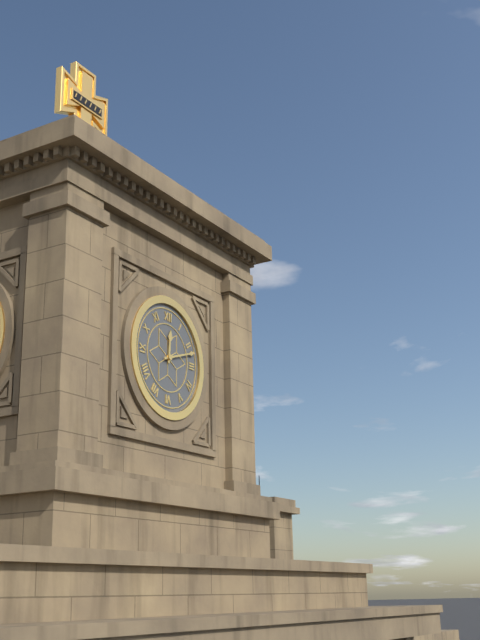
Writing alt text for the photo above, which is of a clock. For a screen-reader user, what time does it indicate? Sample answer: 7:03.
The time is 12:12
